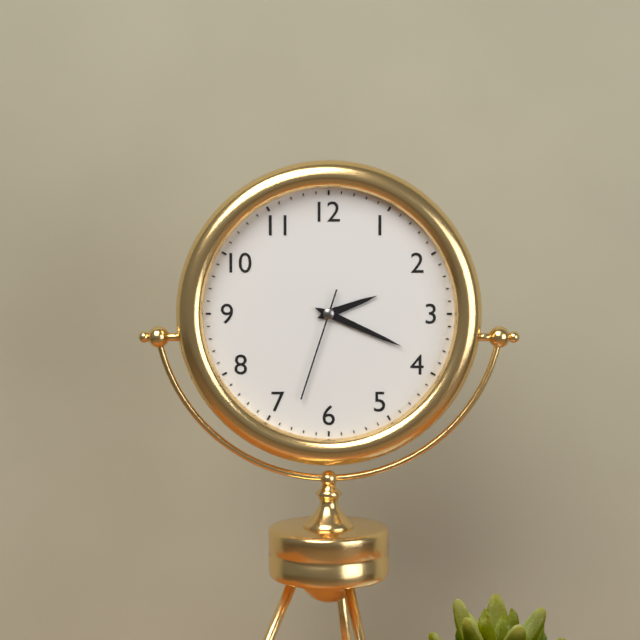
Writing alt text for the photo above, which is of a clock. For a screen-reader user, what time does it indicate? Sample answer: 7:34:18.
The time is 2:19:33
